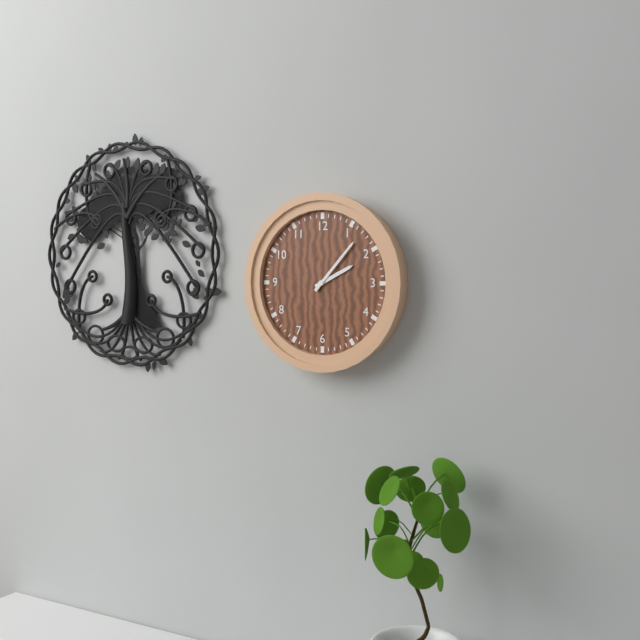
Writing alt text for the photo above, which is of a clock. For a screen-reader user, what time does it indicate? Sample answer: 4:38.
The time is 2:07
